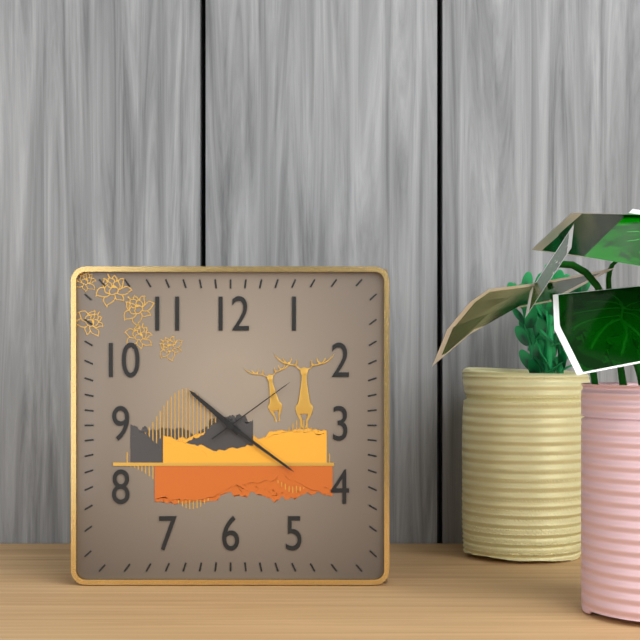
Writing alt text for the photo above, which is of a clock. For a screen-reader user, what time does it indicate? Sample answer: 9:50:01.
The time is 10:21:09
